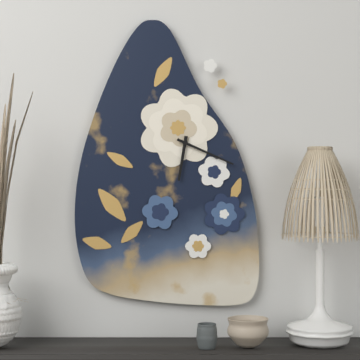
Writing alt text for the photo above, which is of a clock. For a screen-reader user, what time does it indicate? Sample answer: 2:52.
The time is 6:19
